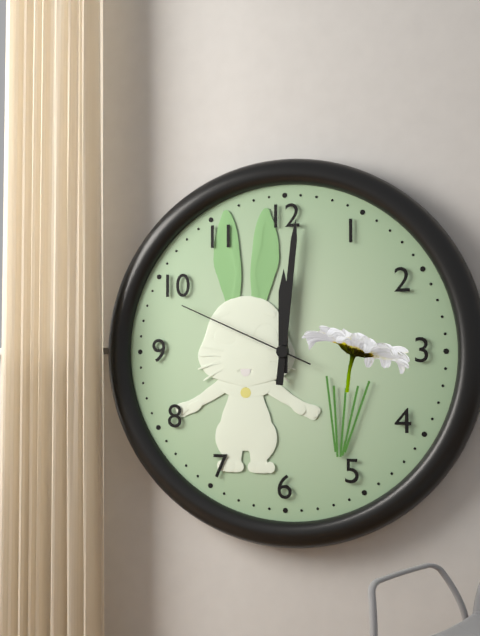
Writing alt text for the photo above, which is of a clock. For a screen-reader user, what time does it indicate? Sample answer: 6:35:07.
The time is 12:01:49
